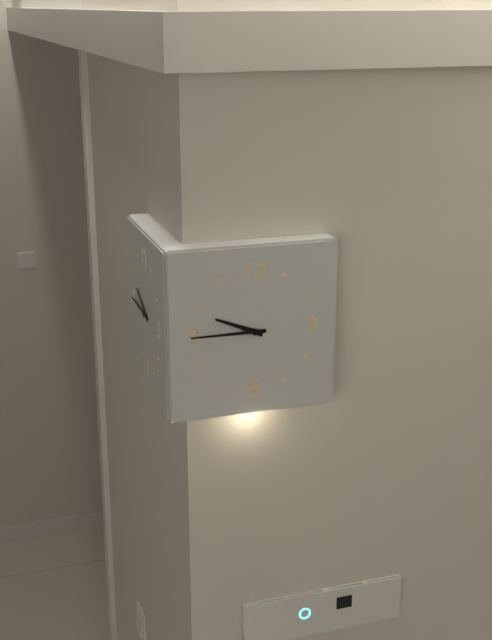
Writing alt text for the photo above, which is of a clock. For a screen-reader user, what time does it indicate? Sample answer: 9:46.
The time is 9:45
